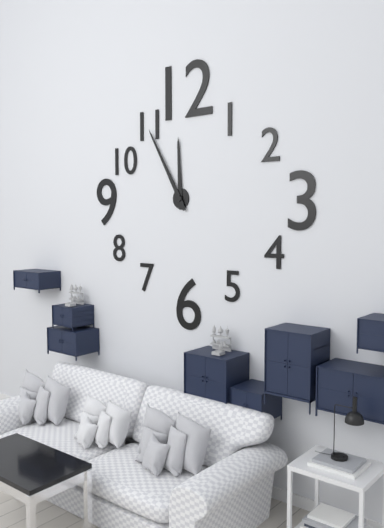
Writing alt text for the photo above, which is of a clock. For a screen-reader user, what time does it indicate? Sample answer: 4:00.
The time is 11:55
